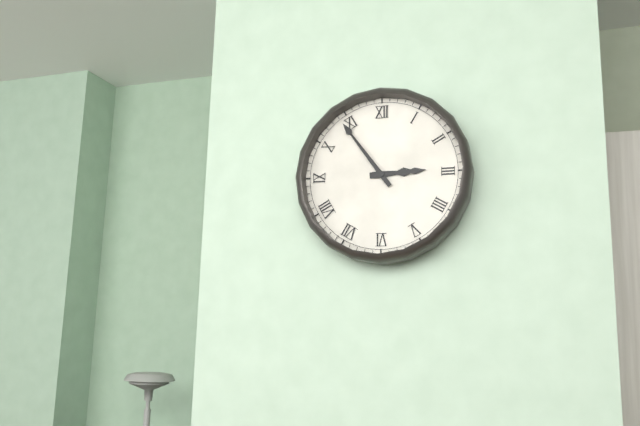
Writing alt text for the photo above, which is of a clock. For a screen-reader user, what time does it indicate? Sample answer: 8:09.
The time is 2:54
